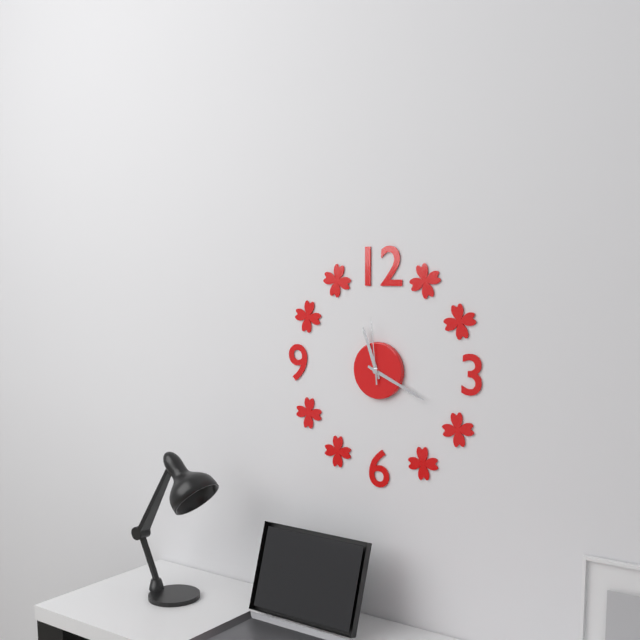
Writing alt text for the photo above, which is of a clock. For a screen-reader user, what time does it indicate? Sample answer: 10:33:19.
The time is 11:19:59
